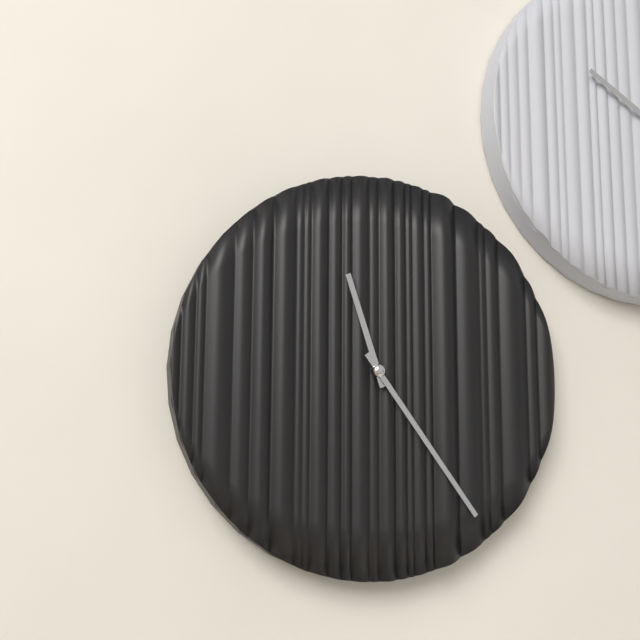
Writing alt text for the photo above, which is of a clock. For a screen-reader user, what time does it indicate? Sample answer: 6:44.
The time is 11:24
